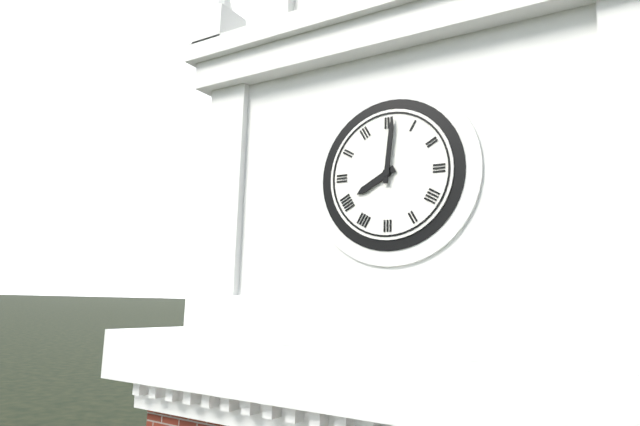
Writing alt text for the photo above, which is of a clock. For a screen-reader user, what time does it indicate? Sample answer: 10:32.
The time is 8:01
